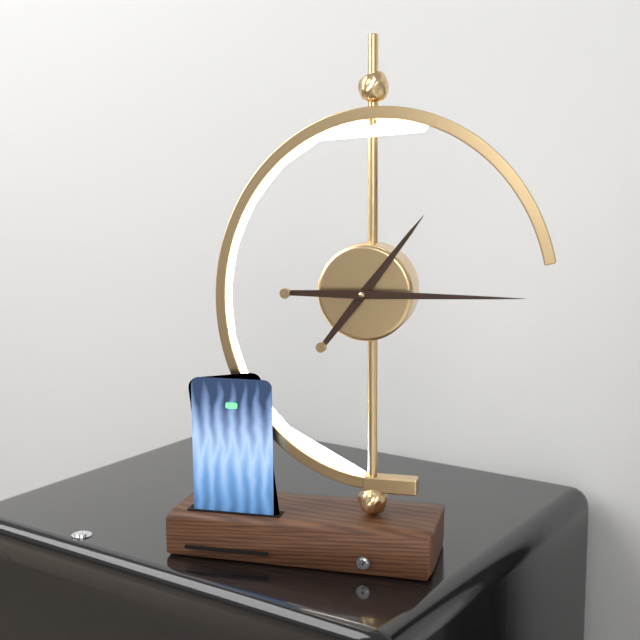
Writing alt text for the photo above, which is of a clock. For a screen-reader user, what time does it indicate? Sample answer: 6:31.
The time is 1:15
